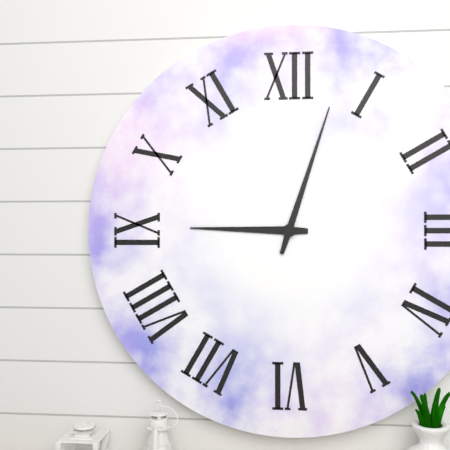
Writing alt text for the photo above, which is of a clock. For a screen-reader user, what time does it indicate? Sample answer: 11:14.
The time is 9:03
